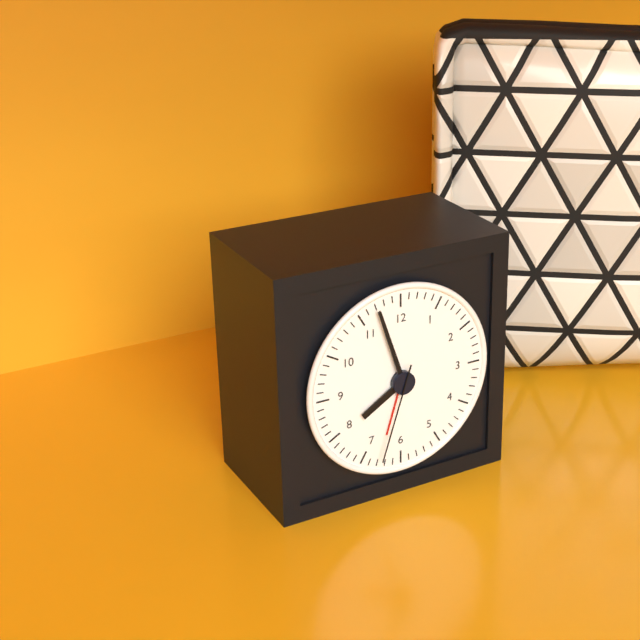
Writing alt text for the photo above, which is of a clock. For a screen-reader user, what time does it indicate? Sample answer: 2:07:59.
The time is 7:57:33
